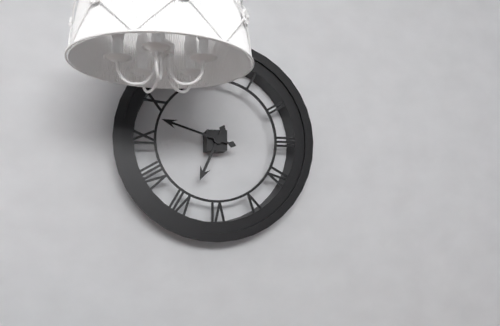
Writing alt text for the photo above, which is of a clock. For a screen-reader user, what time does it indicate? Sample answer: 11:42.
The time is 6:48
